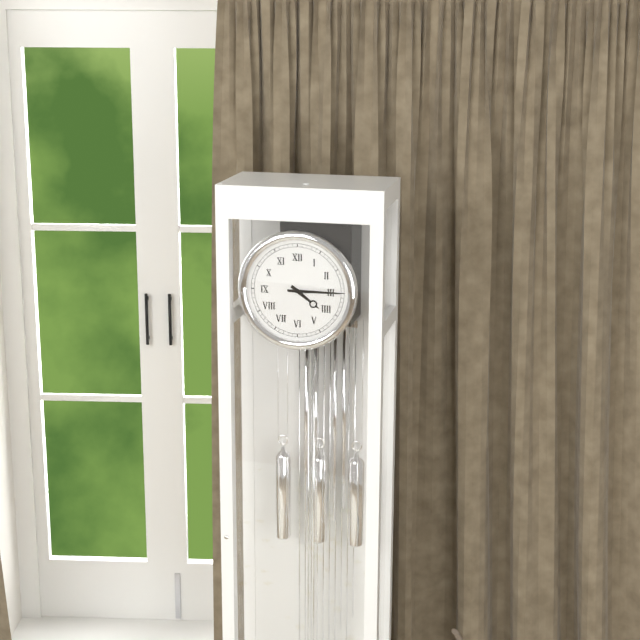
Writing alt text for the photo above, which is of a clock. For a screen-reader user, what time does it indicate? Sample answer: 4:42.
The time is 4:15
